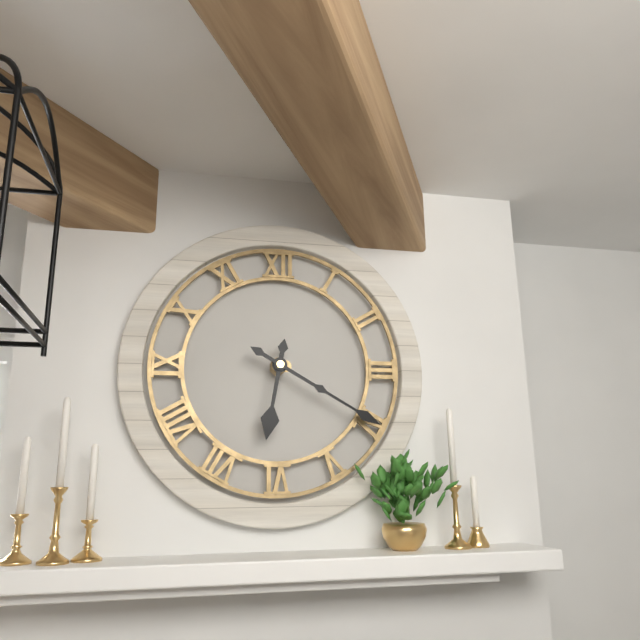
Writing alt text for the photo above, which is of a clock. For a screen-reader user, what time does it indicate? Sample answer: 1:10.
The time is 6:20
